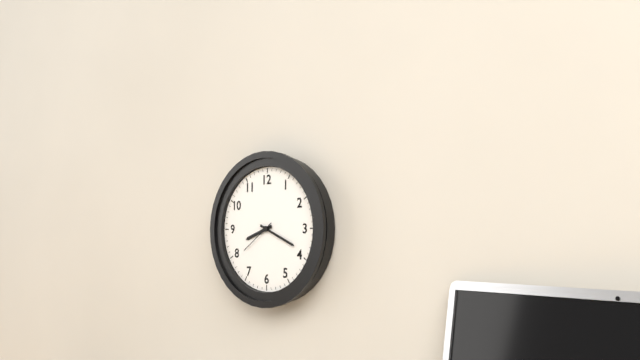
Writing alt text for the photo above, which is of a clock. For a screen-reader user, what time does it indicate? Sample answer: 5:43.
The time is 8:19
